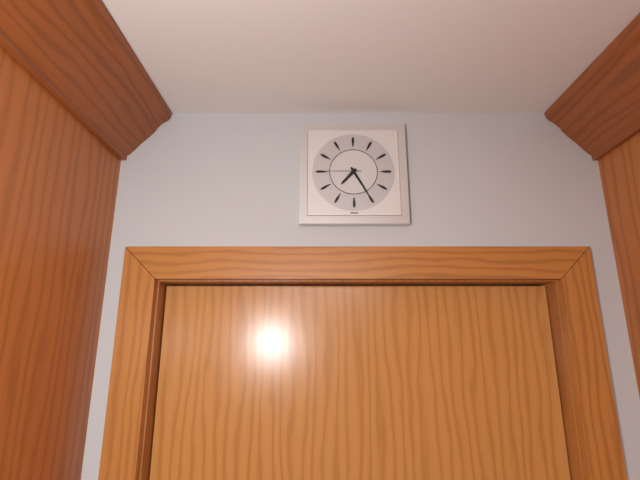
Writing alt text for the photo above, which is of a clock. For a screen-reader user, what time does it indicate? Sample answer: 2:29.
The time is 7:25
